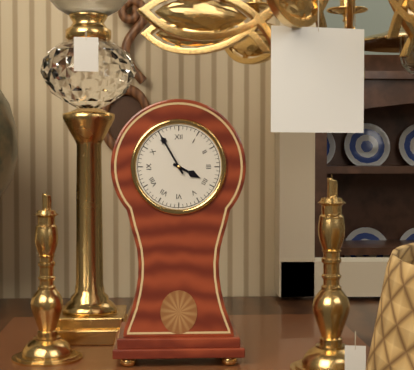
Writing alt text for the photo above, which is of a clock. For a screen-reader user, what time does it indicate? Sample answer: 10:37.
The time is 3:55
